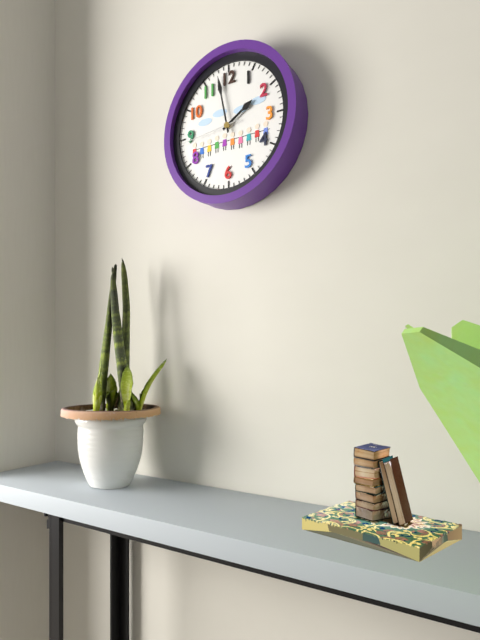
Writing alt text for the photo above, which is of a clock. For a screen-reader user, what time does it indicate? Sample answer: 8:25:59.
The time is 1:58:44
